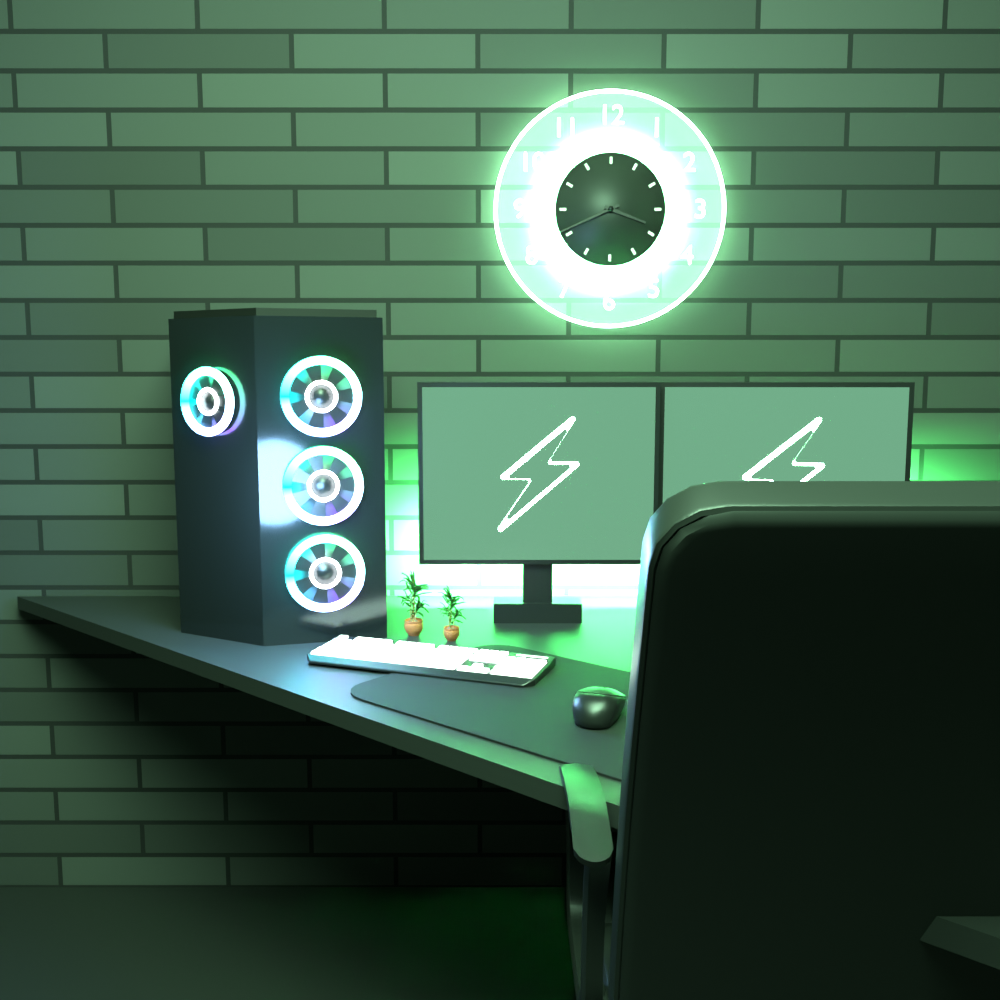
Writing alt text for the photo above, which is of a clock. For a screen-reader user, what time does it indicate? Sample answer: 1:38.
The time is 3:41
